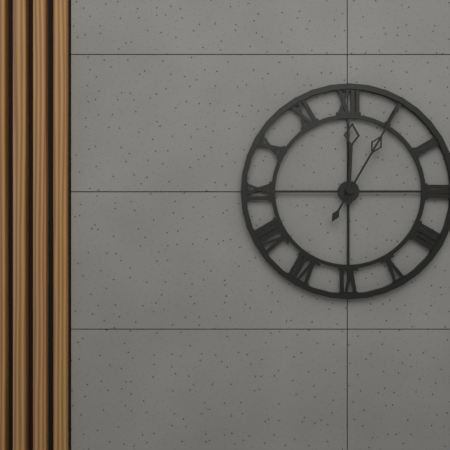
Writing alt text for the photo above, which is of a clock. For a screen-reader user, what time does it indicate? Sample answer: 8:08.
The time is 12:05
